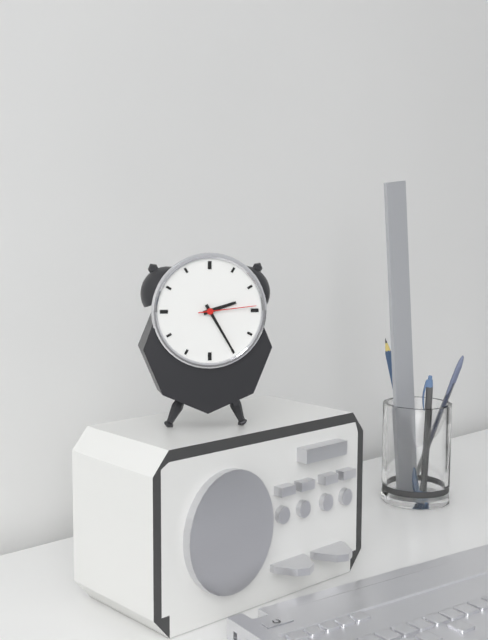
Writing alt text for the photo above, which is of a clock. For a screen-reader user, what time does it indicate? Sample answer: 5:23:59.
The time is 2:25:14
